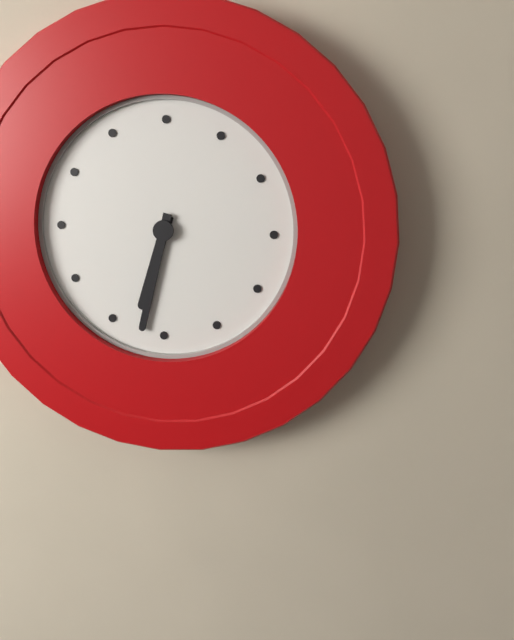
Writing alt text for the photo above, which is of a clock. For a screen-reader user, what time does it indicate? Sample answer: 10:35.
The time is 6:32
